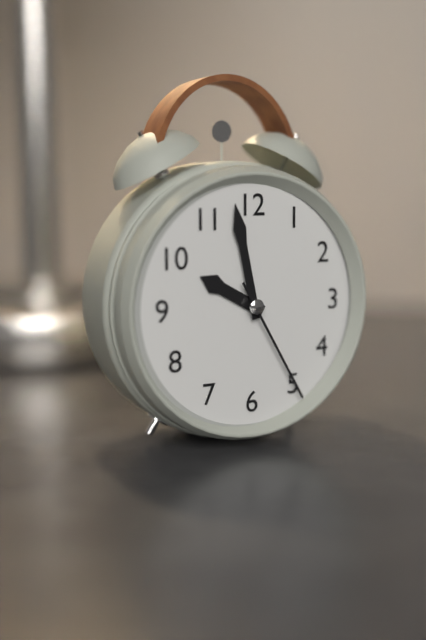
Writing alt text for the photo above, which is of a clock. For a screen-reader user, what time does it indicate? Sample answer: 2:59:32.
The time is 9:58:25
